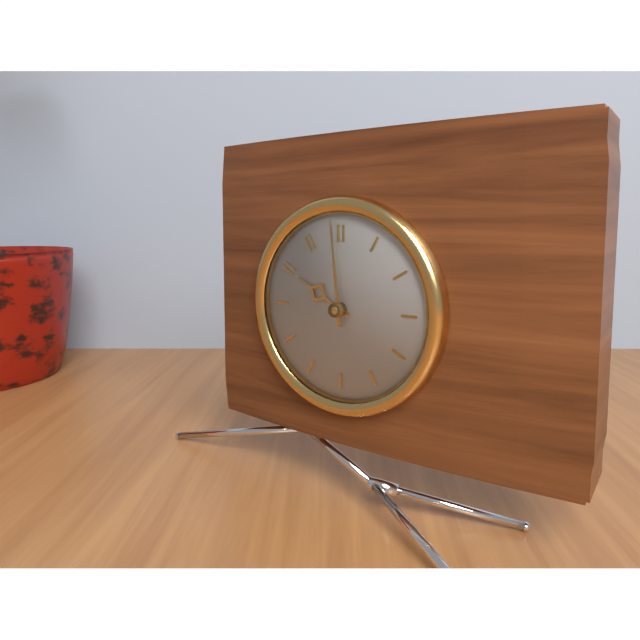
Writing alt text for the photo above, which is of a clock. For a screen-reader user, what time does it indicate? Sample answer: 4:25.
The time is 9:59
